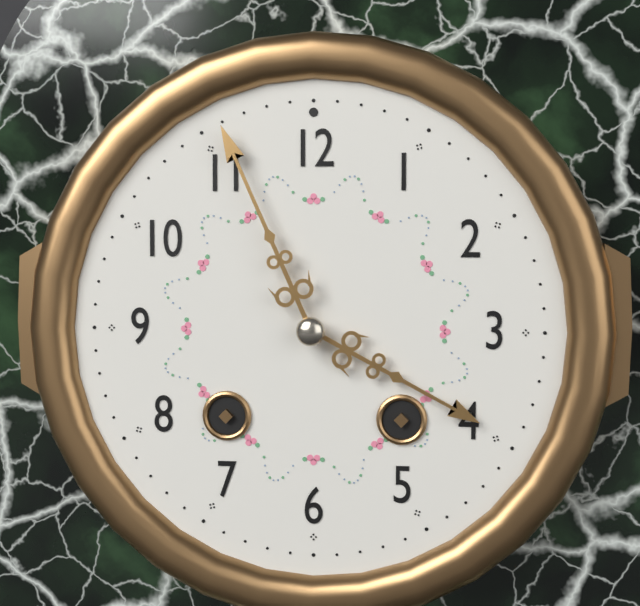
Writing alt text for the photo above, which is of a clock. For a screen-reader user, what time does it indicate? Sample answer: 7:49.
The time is 3:56
